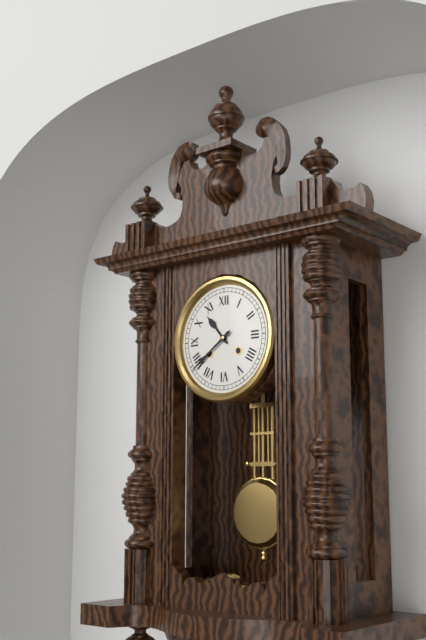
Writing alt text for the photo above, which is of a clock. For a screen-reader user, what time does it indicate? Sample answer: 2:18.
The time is 10:39
